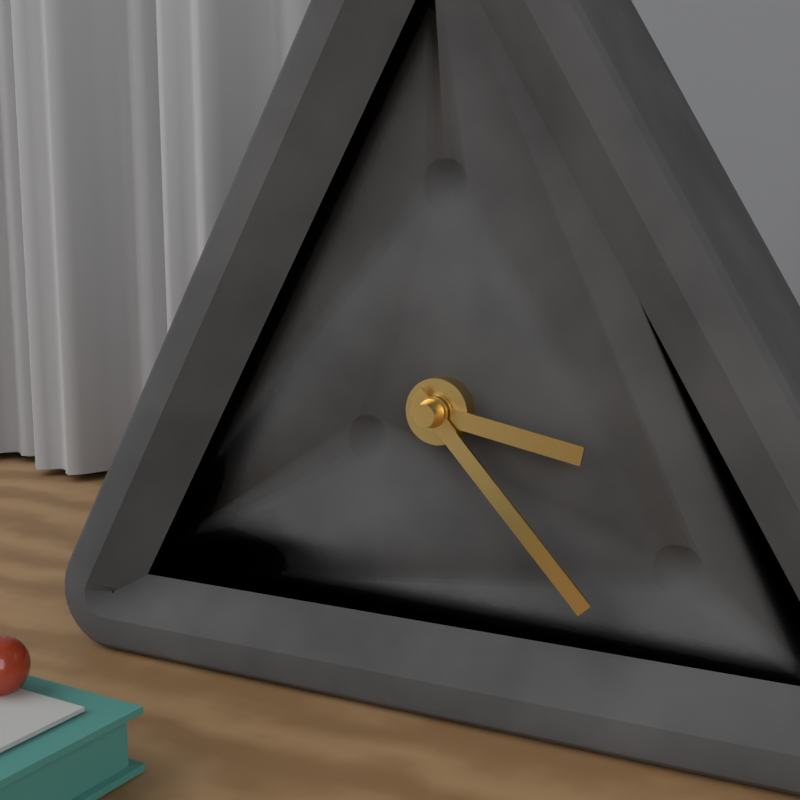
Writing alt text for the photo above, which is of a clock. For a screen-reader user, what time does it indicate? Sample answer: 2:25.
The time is 3:23
